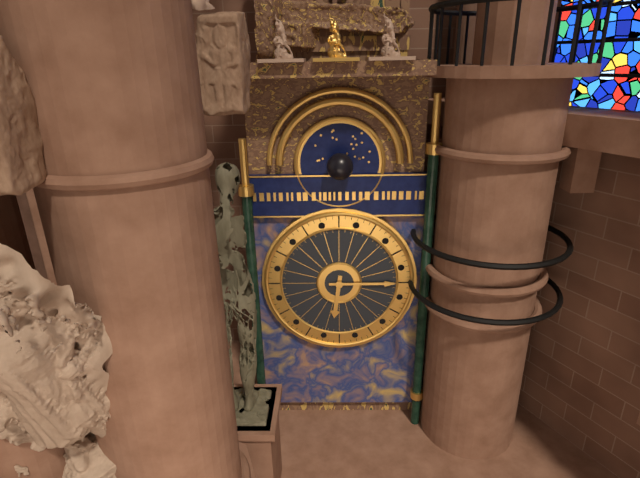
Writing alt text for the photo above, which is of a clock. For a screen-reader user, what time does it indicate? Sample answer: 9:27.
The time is 6:15
